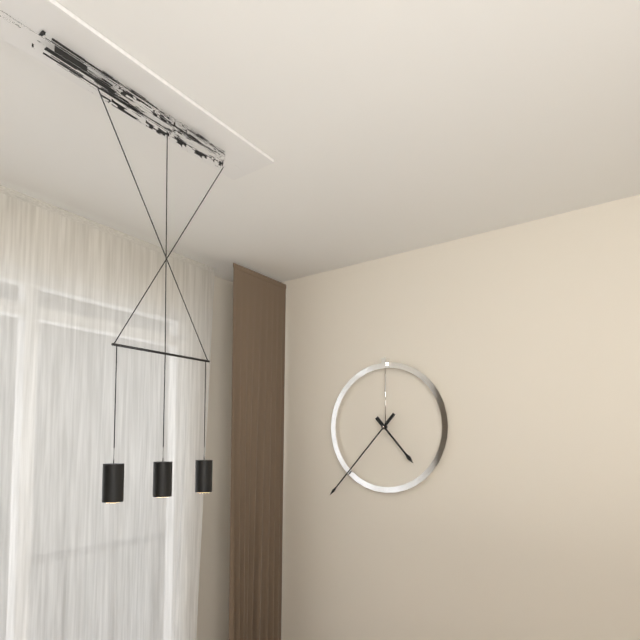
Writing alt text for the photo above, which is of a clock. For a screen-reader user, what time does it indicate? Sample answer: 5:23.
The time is 4:37
